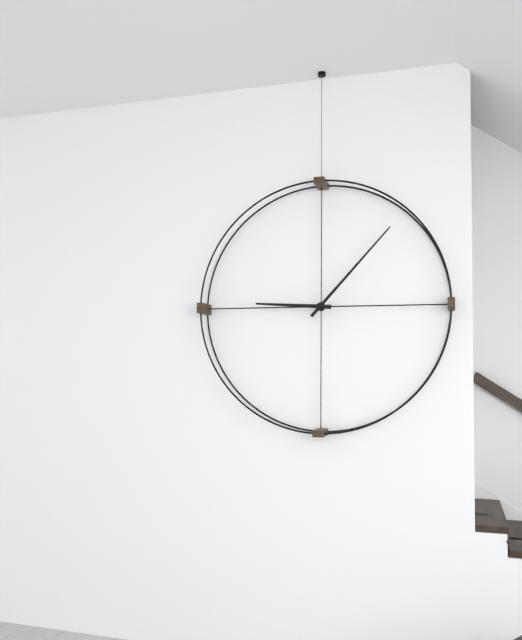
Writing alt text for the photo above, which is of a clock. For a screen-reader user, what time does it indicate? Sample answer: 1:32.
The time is 9:07
